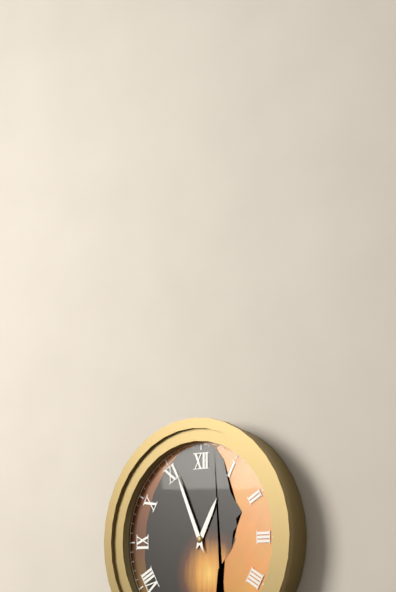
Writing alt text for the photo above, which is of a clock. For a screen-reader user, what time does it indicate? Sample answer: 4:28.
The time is 12:56
